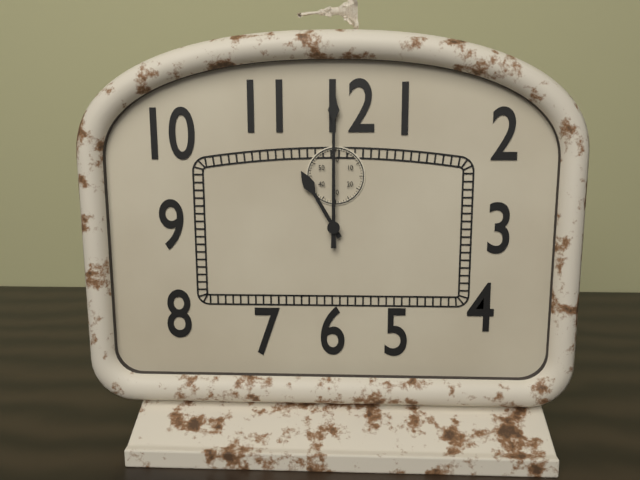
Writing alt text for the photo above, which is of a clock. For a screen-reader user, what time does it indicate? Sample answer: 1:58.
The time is 11:00
